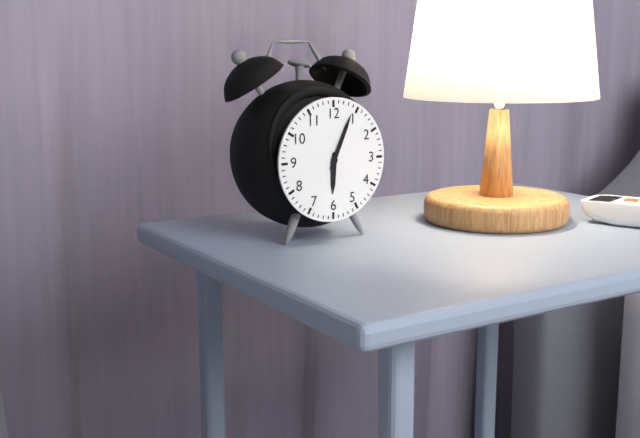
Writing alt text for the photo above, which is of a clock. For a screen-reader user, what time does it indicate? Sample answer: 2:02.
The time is 6:04
